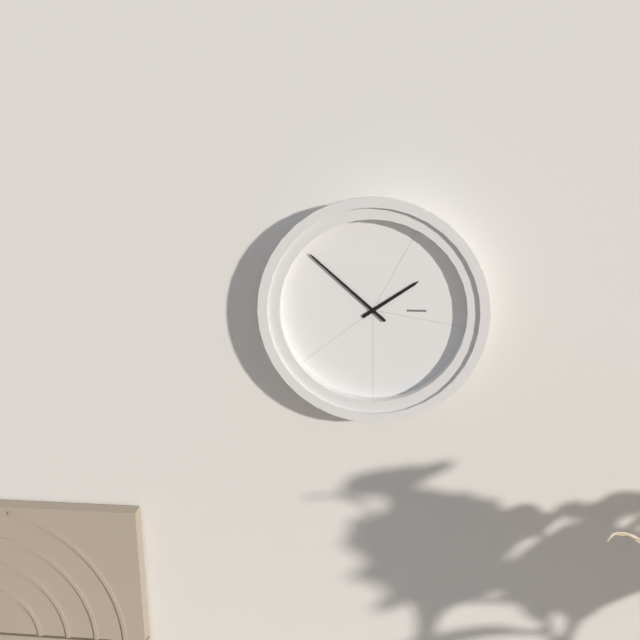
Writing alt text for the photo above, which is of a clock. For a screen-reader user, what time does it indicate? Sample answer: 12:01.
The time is 1:52
